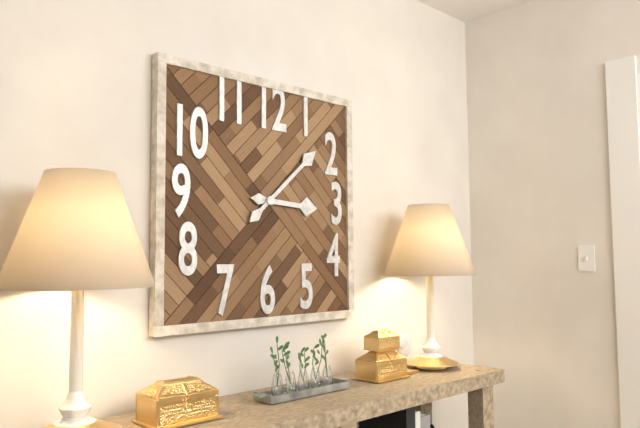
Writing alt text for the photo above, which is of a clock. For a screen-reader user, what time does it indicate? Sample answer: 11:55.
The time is 3:08
